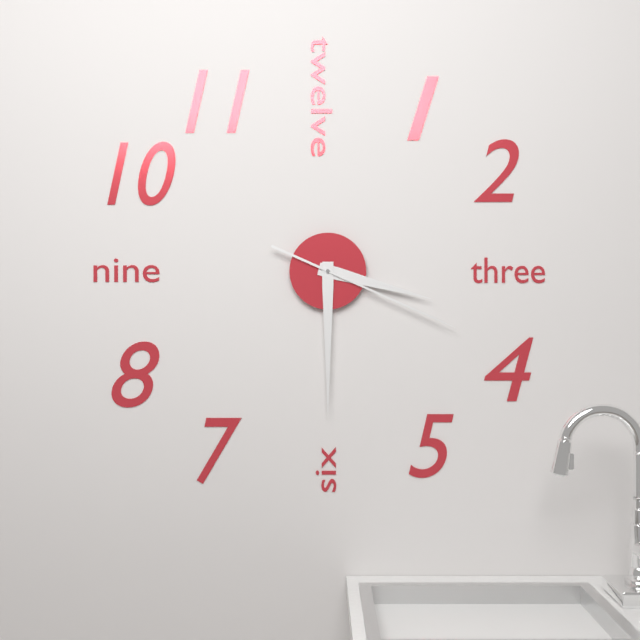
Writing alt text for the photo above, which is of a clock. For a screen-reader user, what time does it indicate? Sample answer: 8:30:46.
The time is 3:30:19
